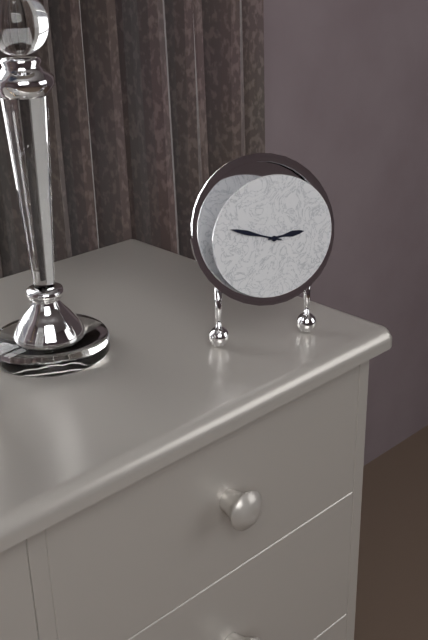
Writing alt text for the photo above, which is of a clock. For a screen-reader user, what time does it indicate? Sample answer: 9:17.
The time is 2:48
